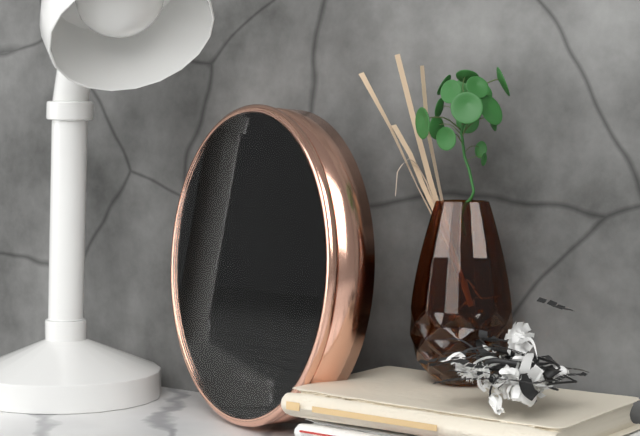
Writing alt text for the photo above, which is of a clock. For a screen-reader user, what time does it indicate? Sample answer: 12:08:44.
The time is 2:24:04
